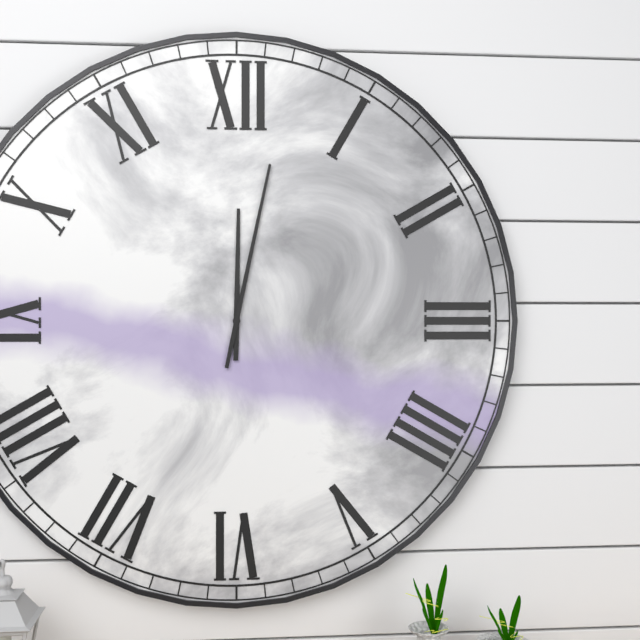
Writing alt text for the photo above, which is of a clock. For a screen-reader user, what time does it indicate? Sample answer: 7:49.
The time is 12:02
